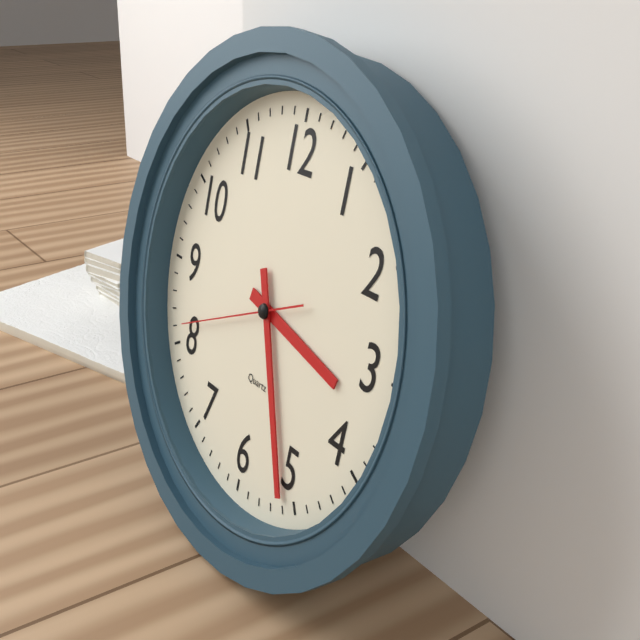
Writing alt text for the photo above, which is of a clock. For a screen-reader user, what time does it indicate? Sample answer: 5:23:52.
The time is 3:26:41
